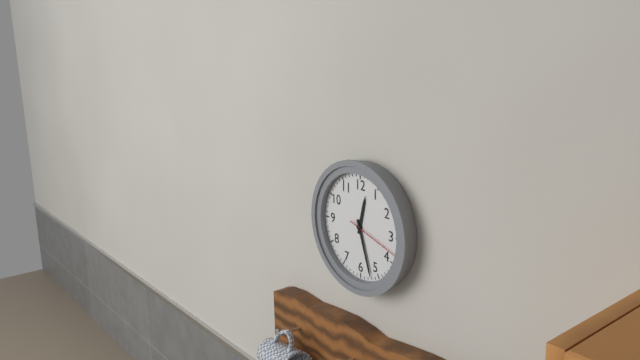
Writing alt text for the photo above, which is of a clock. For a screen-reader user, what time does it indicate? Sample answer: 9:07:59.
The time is 12:27:18
